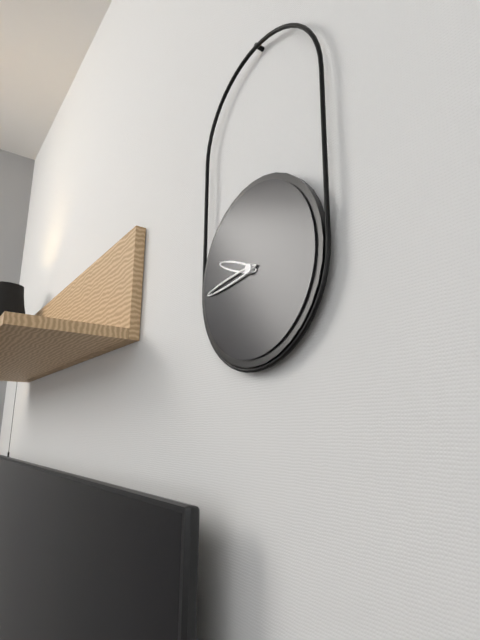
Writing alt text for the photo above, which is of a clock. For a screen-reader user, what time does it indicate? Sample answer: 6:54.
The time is 9:44
